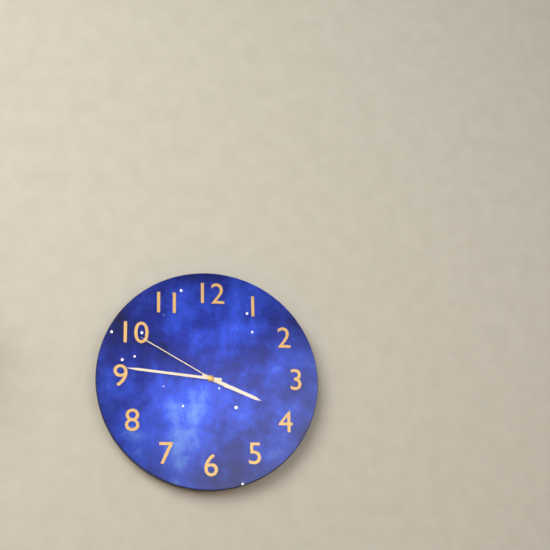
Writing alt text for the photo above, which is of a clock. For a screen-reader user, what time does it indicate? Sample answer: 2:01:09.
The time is 3:46:50
